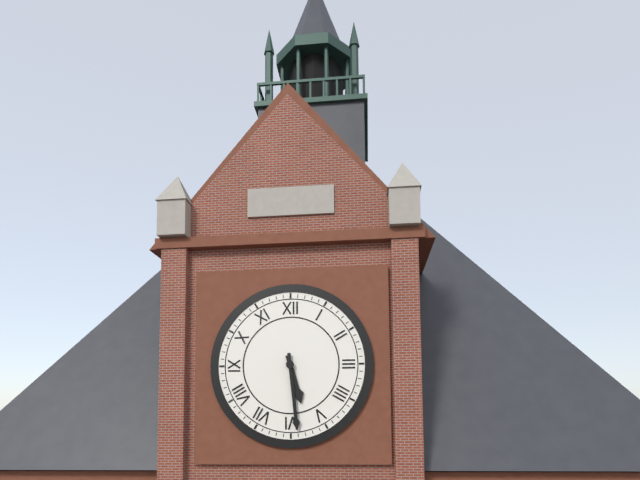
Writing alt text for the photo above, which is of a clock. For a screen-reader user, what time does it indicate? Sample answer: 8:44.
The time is 5:29
